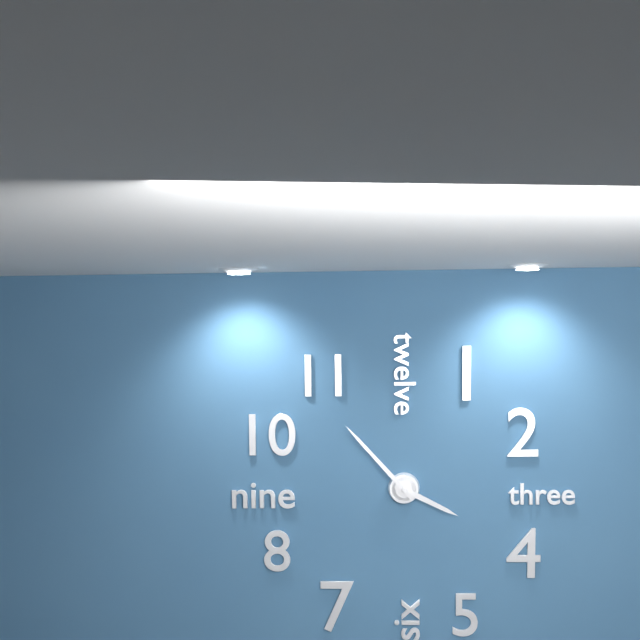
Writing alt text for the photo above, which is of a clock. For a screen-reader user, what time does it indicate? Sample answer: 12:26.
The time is 3:53
